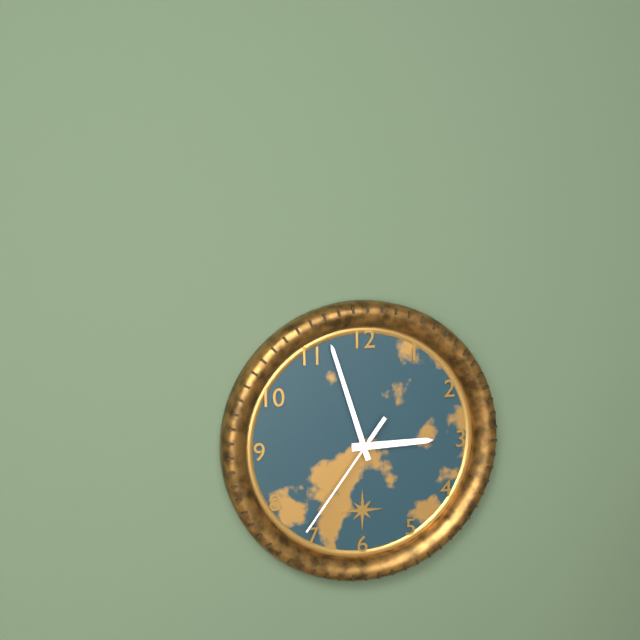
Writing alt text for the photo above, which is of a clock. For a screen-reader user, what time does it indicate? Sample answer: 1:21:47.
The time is 2:57:36
